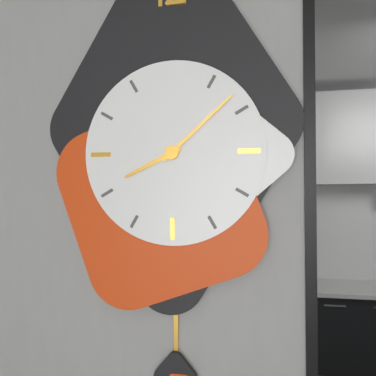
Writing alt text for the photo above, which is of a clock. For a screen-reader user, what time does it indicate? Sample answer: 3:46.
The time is 8:08
